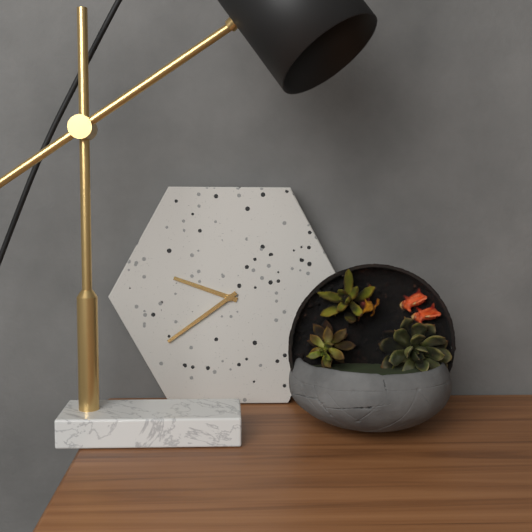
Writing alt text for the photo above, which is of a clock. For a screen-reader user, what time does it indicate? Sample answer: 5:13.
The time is 9:39
